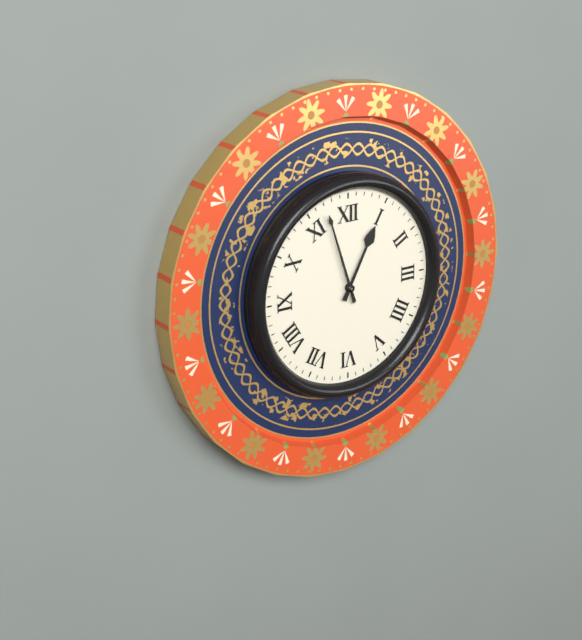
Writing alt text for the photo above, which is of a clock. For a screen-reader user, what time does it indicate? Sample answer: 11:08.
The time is 12:57
